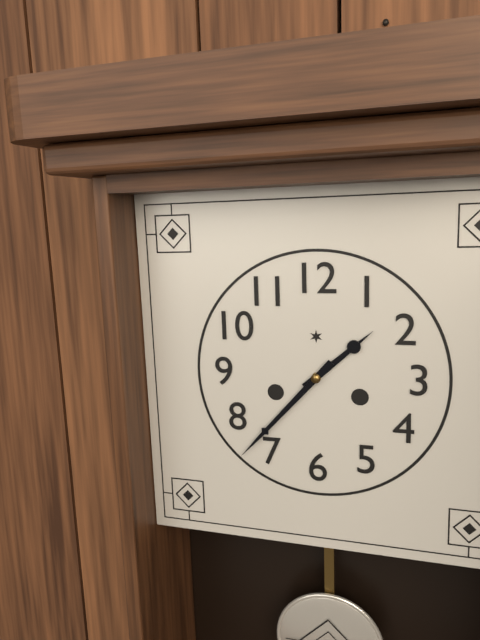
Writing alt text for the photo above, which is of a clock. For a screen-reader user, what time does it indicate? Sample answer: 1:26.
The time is 1:37
